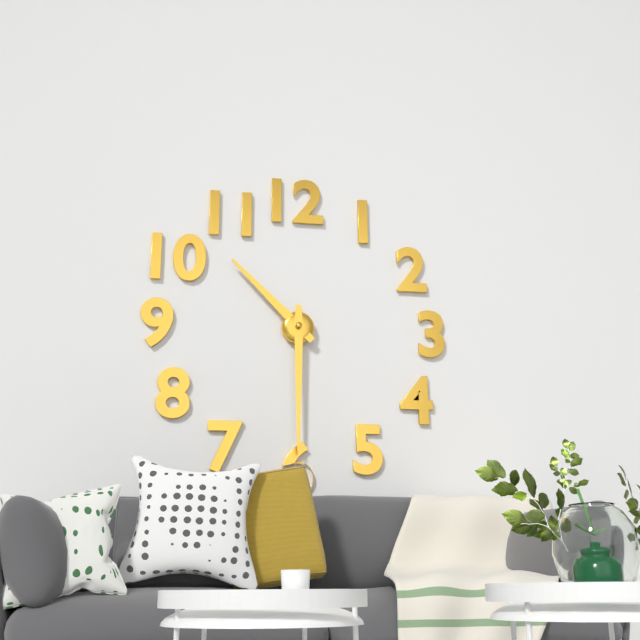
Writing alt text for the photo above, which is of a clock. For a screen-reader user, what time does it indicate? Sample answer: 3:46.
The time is 10:30
